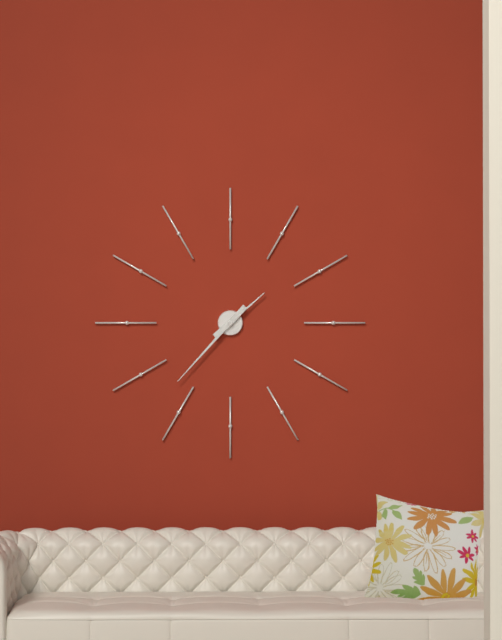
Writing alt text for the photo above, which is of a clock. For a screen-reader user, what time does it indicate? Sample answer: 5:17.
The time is 1:37
